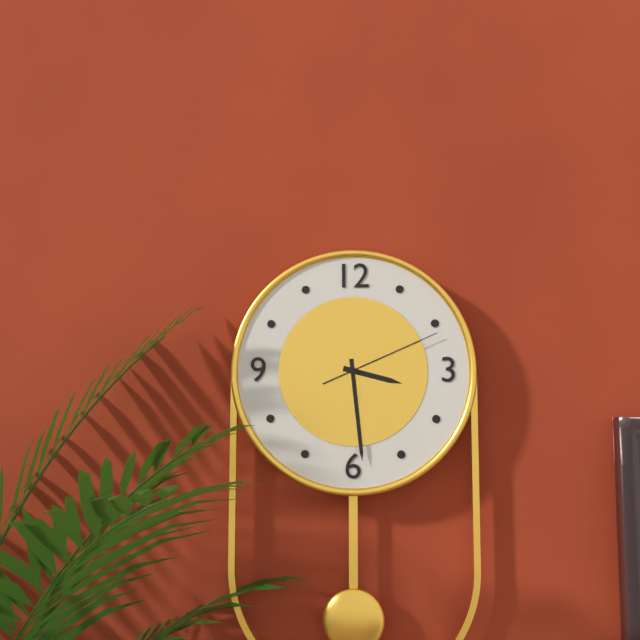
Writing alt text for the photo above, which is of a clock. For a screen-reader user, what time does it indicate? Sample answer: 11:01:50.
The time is 3:29:11
